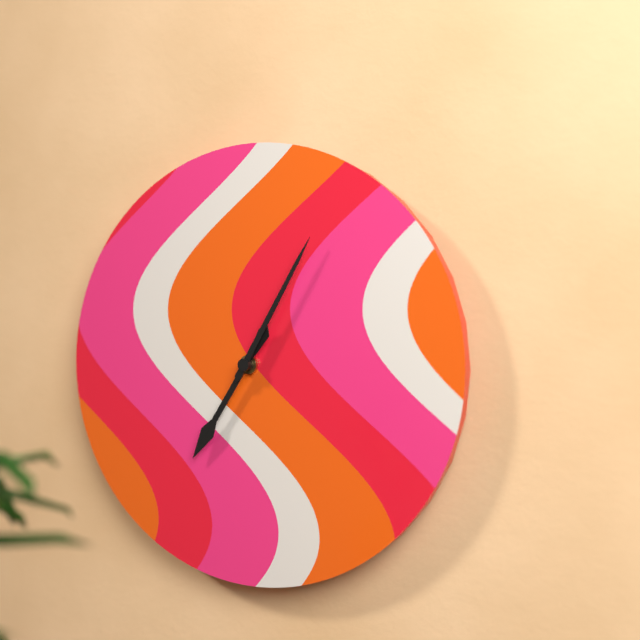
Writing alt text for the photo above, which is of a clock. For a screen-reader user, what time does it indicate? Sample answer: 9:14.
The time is 7:05
